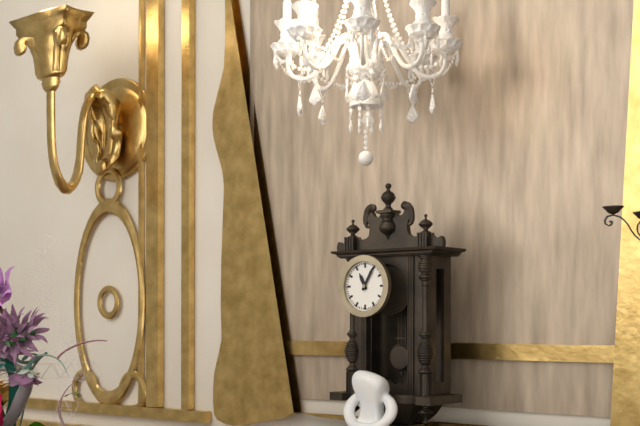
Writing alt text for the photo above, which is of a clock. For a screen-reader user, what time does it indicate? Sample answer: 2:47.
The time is 11:05
